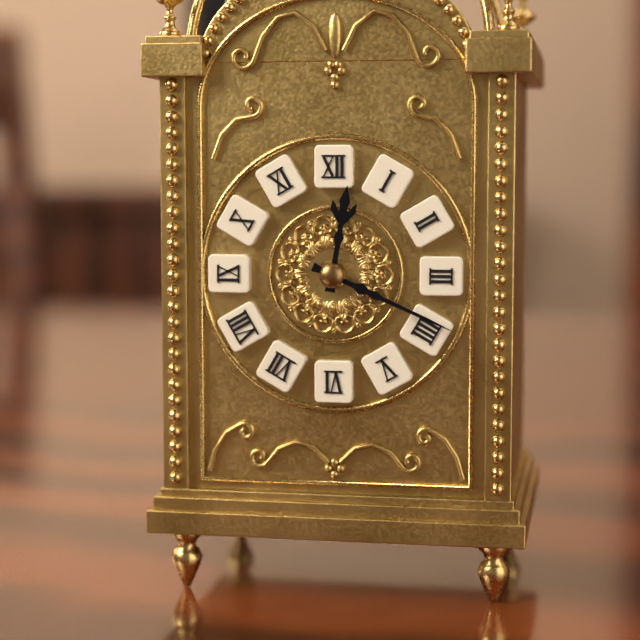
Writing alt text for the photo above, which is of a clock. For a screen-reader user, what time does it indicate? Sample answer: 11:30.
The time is 12:19
